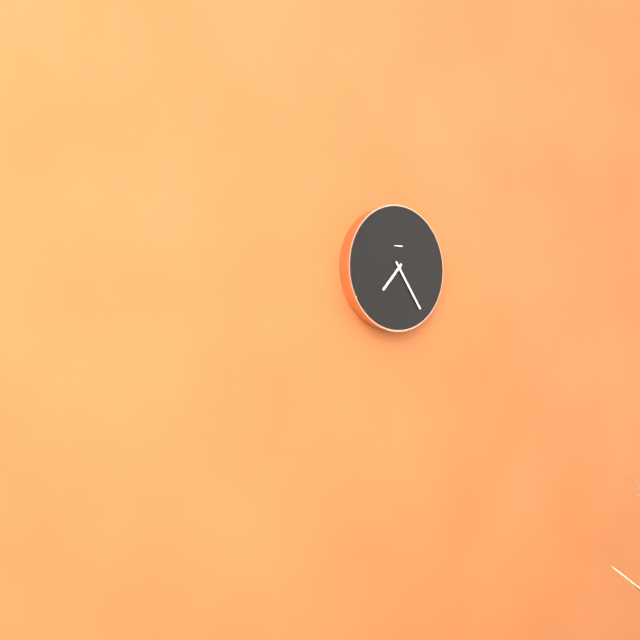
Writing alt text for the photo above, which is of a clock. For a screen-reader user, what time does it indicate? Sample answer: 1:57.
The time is 7:24
